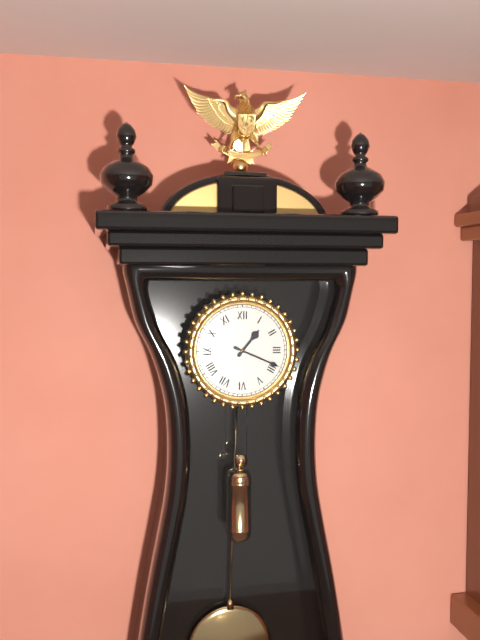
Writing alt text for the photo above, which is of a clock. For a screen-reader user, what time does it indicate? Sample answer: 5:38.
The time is 1:19
